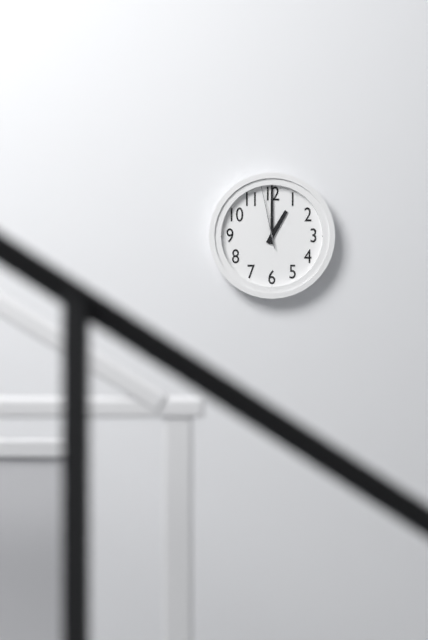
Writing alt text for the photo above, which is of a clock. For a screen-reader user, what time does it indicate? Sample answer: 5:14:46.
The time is 1:00:58
